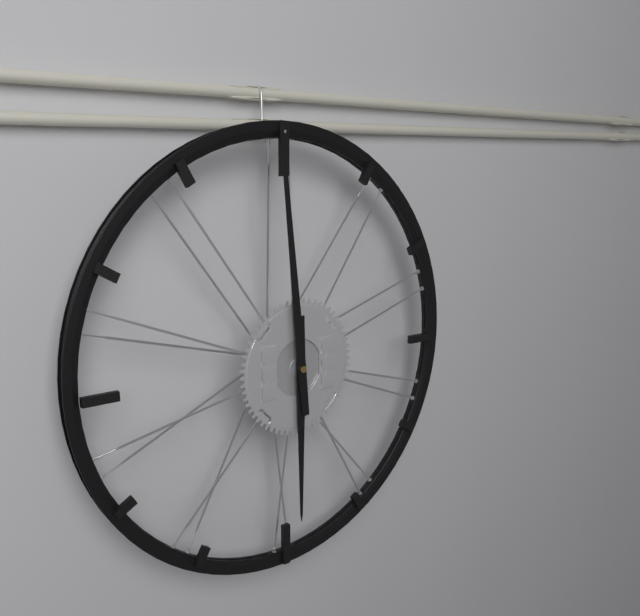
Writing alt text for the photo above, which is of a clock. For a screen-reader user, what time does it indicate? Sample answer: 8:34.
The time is 5:59
